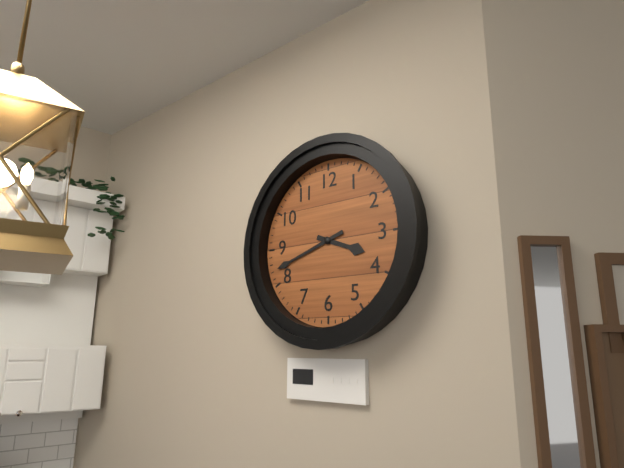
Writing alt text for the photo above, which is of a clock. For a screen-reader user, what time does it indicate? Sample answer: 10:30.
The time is 3:42
